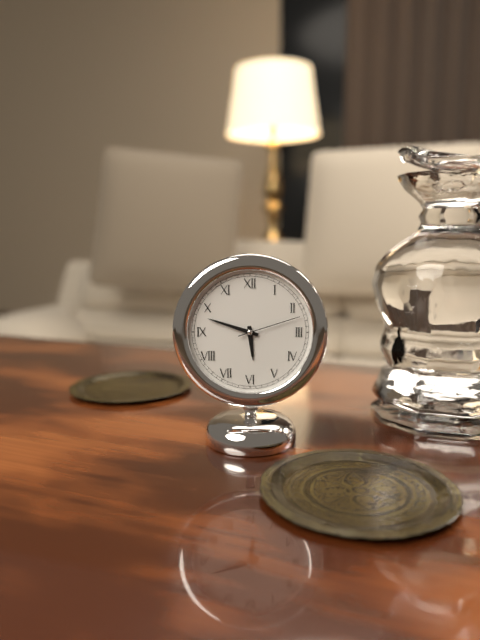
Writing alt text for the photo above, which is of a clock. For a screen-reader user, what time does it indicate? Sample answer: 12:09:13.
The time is 5:48:12
